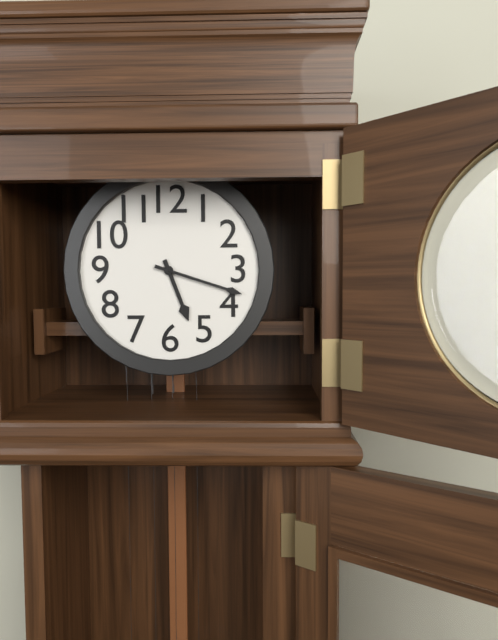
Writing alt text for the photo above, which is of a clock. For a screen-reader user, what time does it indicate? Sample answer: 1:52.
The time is 5:18
